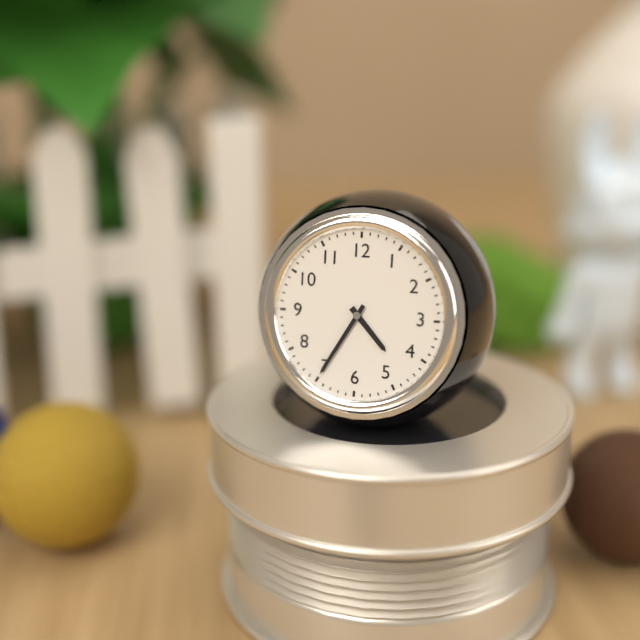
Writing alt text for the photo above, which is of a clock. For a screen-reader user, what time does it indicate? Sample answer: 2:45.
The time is 4:35
